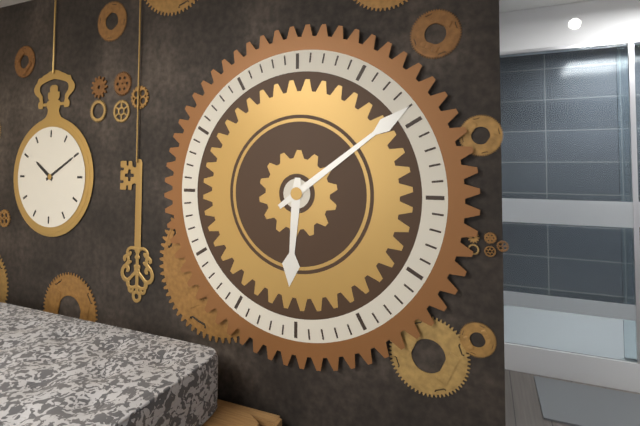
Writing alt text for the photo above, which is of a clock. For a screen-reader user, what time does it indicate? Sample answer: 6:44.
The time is 6:09
